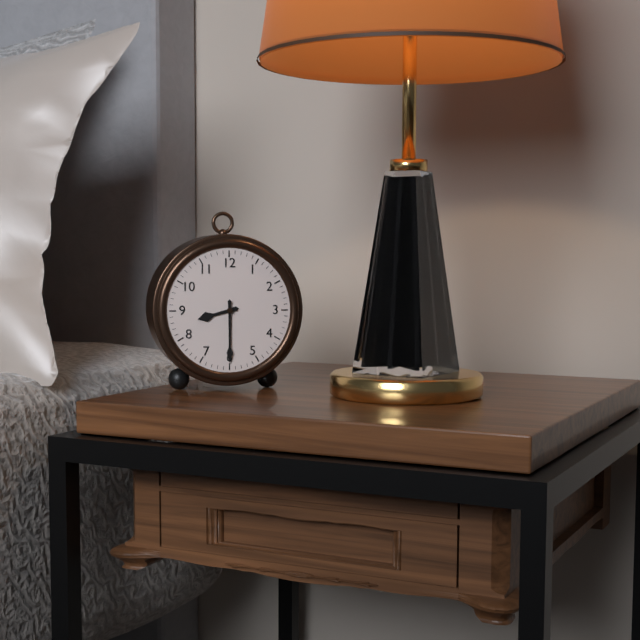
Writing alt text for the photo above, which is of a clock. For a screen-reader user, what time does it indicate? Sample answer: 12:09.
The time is 8:30
